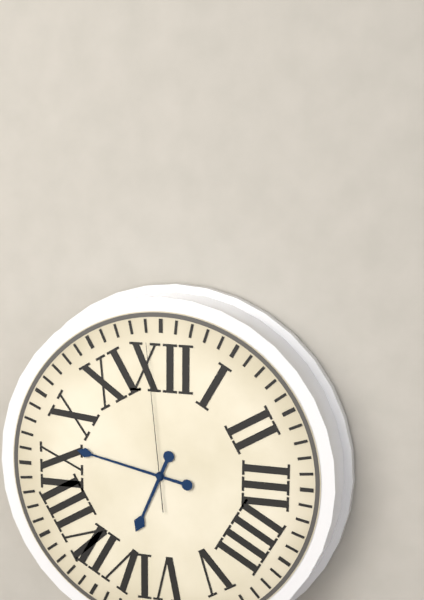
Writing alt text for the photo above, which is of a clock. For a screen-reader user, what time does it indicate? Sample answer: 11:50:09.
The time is 6:47:59
